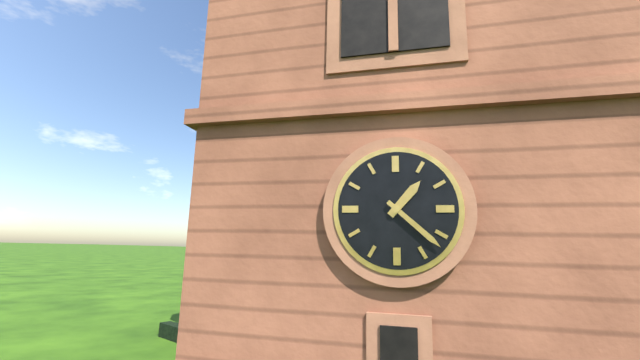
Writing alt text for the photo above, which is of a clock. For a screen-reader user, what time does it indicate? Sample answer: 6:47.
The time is 1:22
